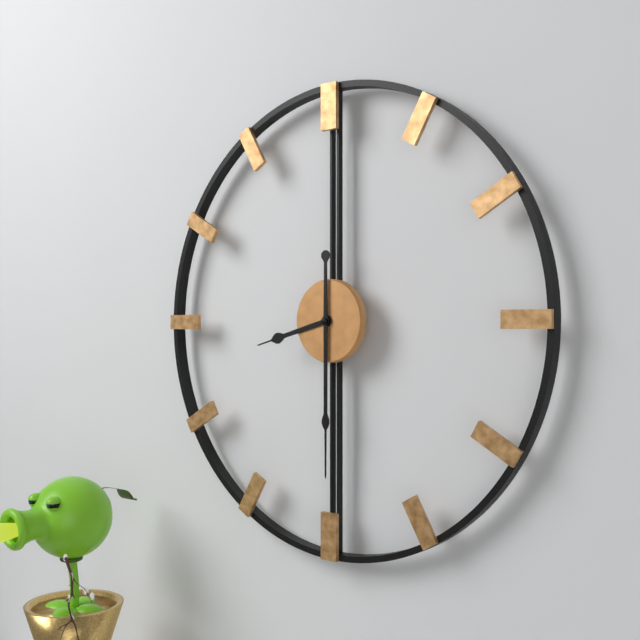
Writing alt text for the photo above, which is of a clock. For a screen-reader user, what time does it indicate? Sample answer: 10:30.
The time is 8:30
